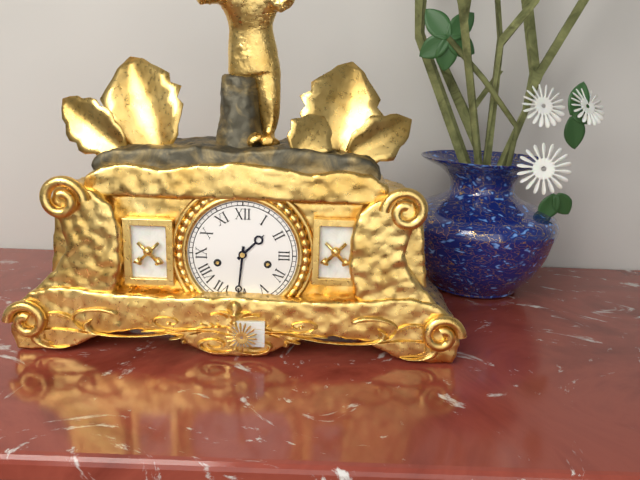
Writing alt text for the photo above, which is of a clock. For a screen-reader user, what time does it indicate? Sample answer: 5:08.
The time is 1:31
